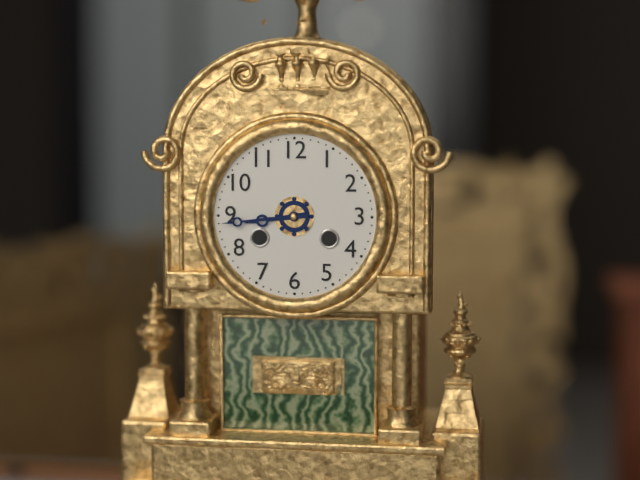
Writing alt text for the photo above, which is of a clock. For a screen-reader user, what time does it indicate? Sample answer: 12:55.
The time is 8:44
